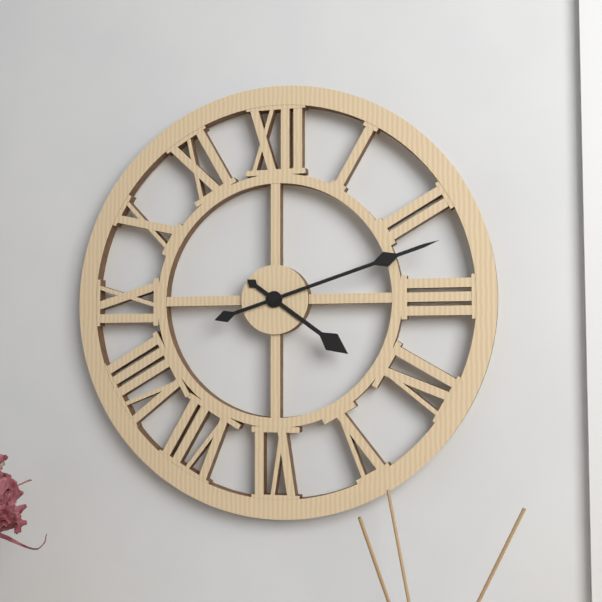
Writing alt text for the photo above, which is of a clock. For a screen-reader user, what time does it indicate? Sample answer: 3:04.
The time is 4:12
